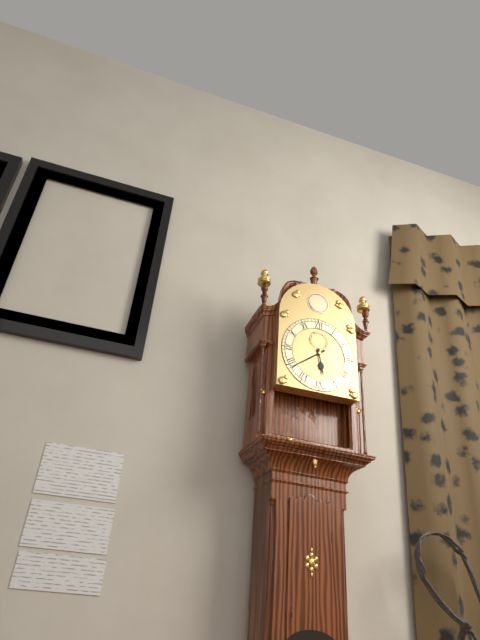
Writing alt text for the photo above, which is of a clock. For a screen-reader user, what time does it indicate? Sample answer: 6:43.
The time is 5:39
